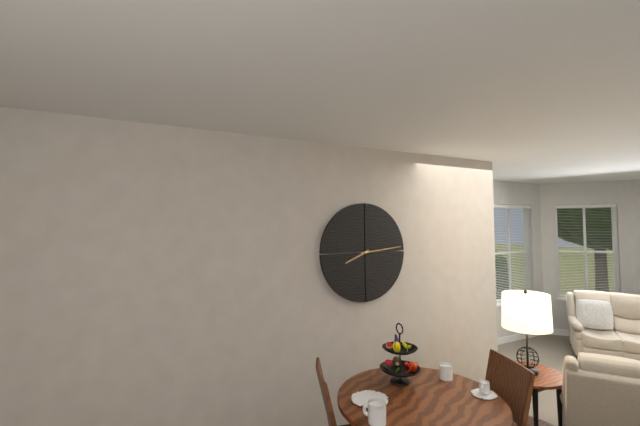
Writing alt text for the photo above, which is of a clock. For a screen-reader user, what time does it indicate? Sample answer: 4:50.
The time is 8:14
